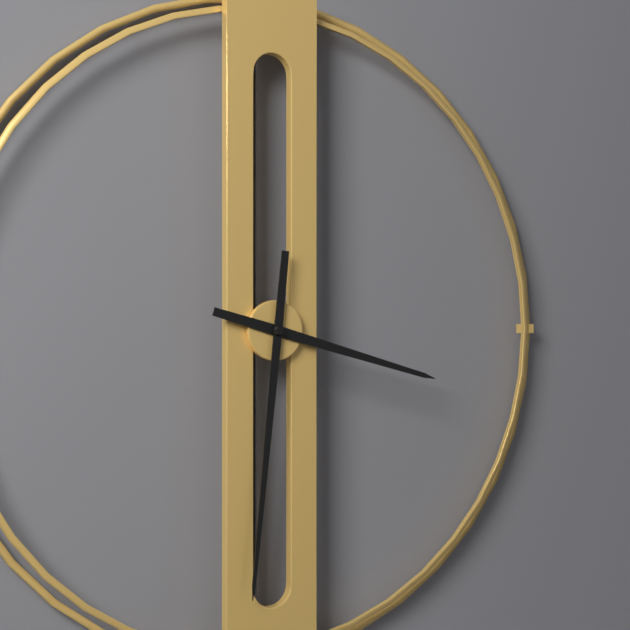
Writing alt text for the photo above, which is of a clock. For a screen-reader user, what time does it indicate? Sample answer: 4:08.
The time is 3:31
